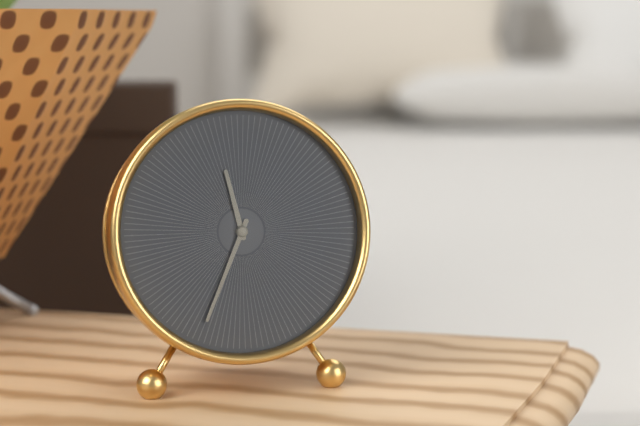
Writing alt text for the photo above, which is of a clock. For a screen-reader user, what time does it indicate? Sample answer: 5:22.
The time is 11:34
